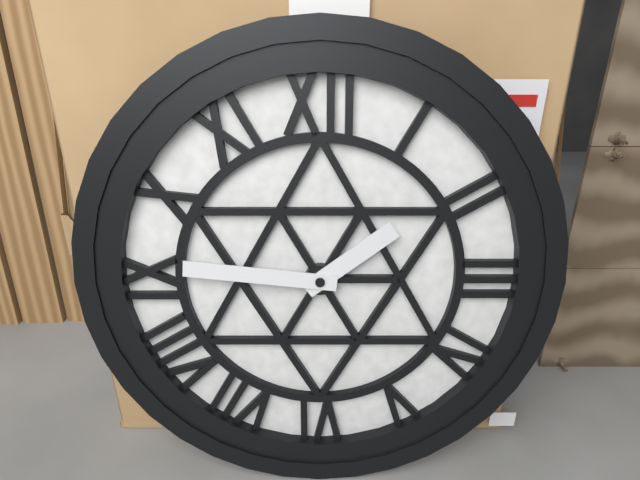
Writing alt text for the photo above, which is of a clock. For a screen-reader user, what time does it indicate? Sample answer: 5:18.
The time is 1:46
